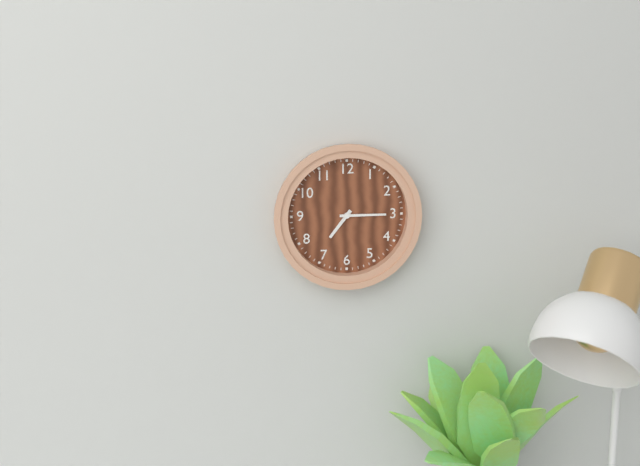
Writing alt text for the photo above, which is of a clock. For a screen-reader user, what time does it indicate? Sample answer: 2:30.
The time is 7:15
